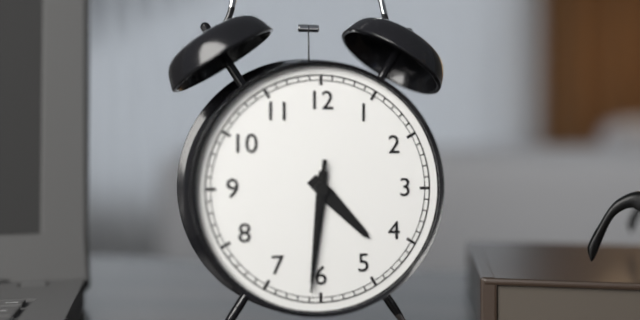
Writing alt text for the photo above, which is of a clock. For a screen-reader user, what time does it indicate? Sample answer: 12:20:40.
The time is 4:31:31
